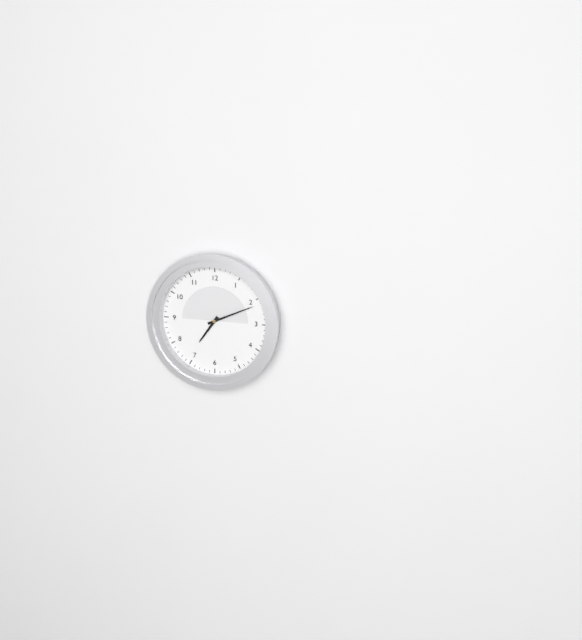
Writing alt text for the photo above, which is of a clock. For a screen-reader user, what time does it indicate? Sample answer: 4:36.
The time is 7:11
